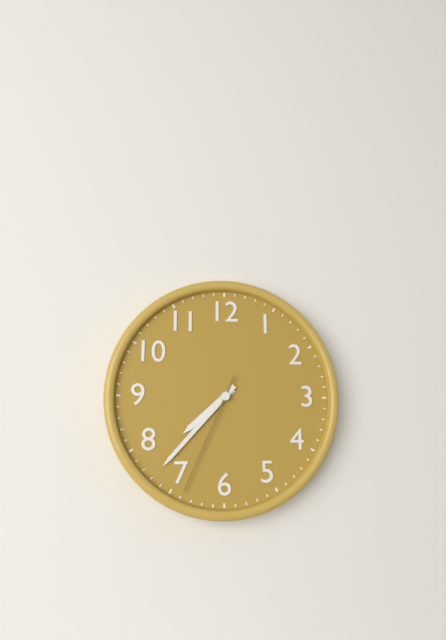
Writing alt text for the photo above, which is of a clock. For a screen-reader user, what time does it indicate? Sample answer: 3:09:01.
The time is 7:37:34
